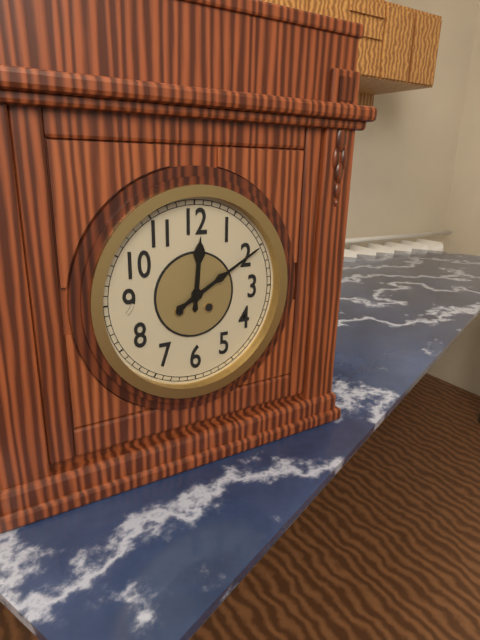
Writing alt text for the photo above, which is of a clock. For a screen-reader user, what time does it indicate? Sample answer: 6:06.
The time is 12:10
